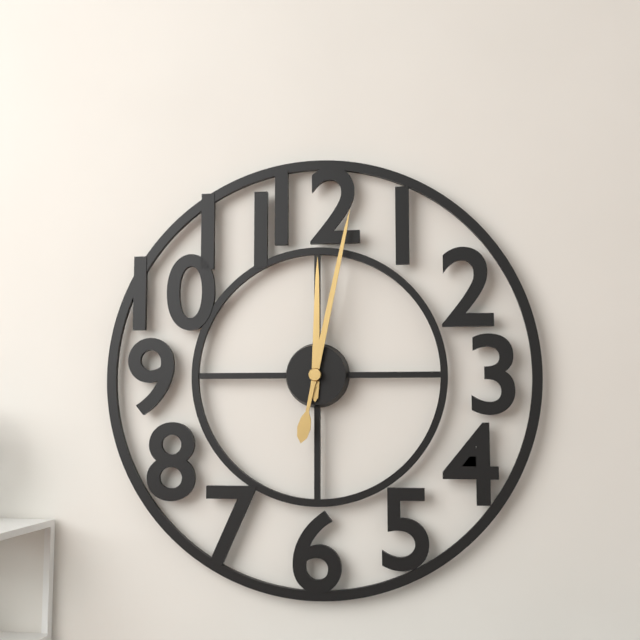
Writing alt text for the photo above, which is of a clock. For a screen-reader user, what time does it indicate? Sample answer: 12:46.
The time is 12:02
